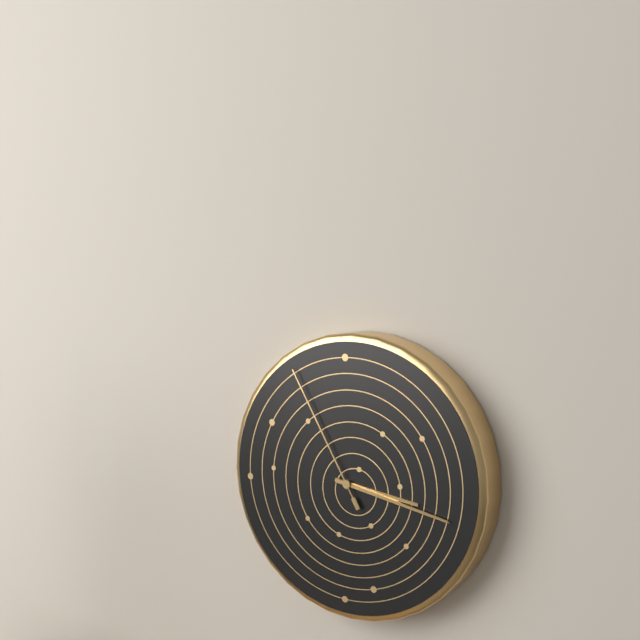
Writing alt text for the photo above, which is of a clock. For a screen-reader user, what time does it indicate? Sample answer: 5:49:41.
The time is 3:17:55
